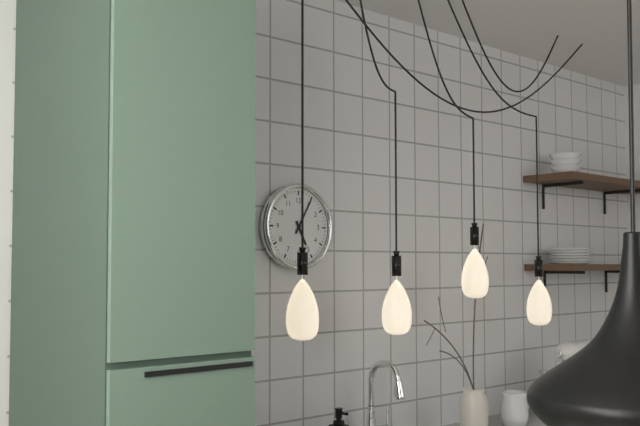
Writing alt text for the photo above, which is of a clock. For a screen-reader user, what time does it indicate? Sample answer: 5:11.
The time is 5:05
